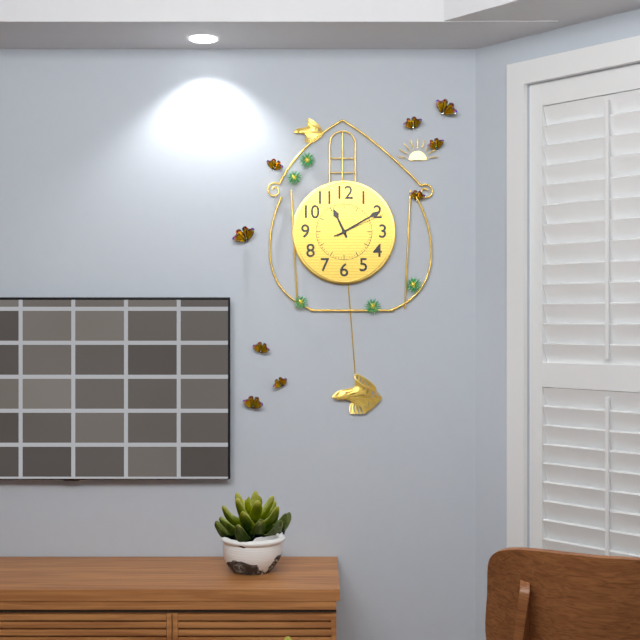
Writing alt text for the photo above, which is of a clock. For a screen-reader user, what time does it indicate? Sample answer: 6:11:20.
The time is 11:10:11
